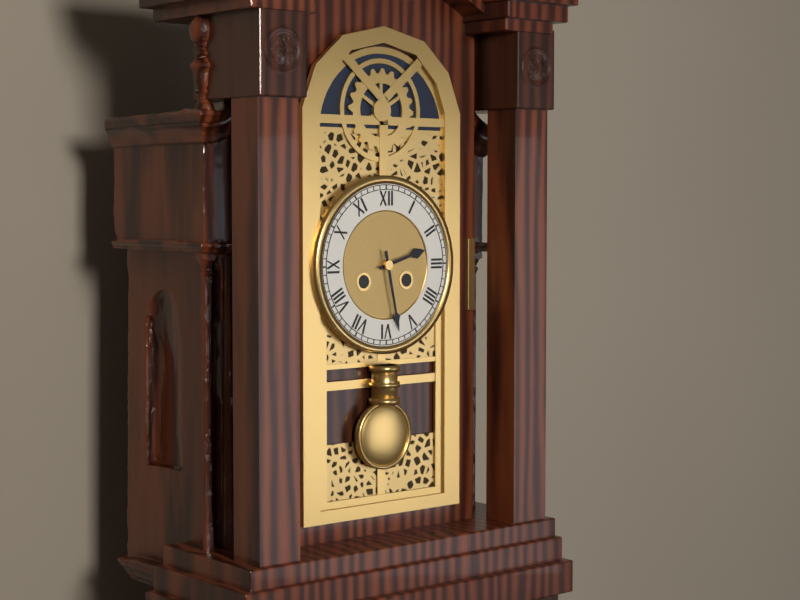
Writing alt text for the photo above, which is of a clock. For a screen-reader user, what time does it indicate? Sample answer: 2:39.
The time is 2:28
